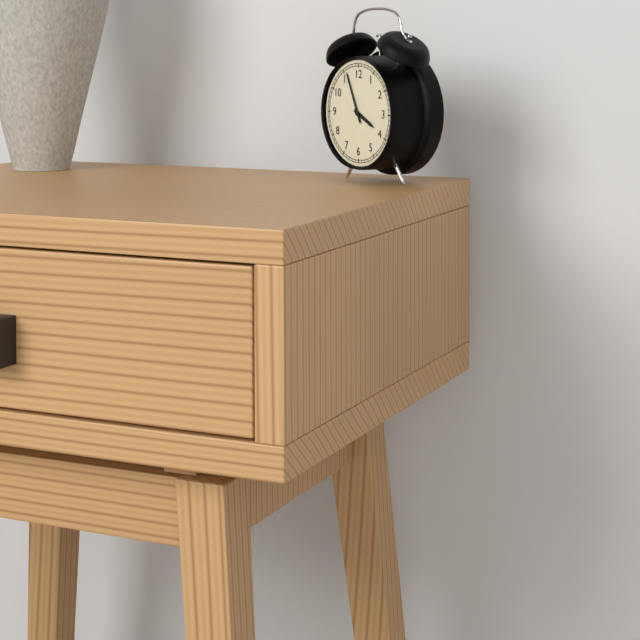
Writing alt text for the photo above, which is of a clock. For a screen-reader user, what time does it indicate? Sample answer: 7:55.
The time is 3:56
